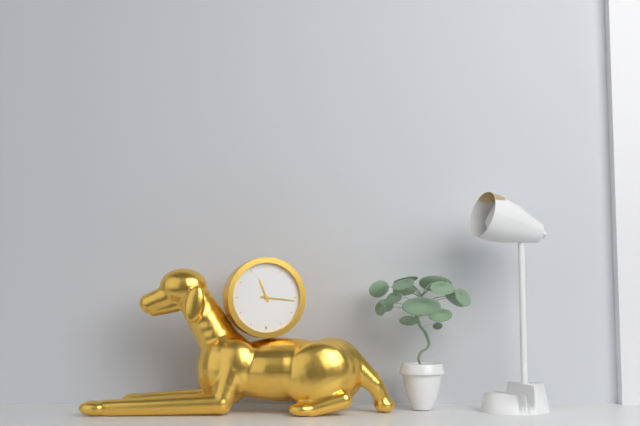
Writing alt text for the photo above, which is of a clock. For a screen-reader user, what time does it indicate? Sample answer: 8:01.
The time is 11:16
